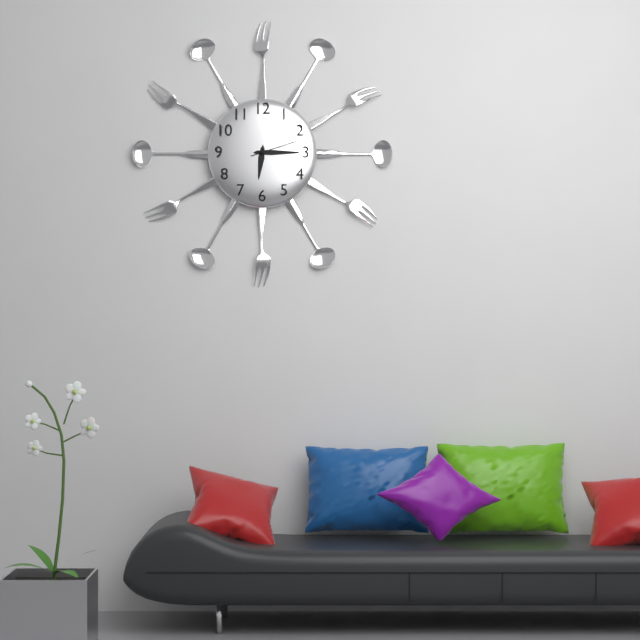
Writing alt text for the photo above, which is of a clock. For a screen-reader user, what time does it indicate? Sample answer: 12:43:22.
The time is 6:15:12
